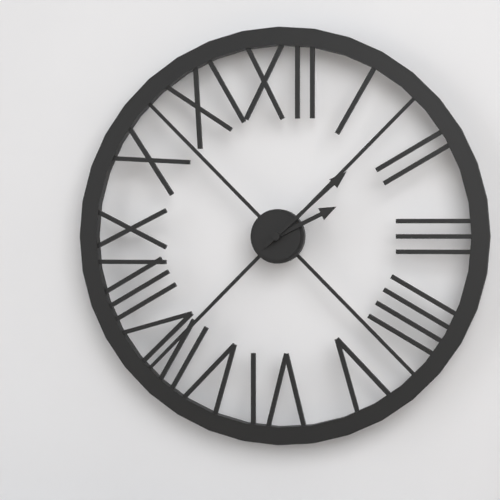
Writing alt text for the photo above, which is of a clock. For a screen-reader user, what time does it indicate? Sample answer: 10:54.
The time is 2:08
